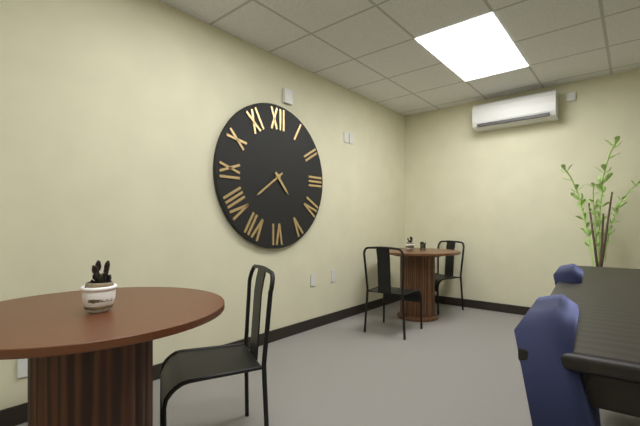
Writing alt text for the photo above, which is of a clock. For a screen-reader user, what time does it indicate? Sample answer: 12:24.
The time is 4:39
